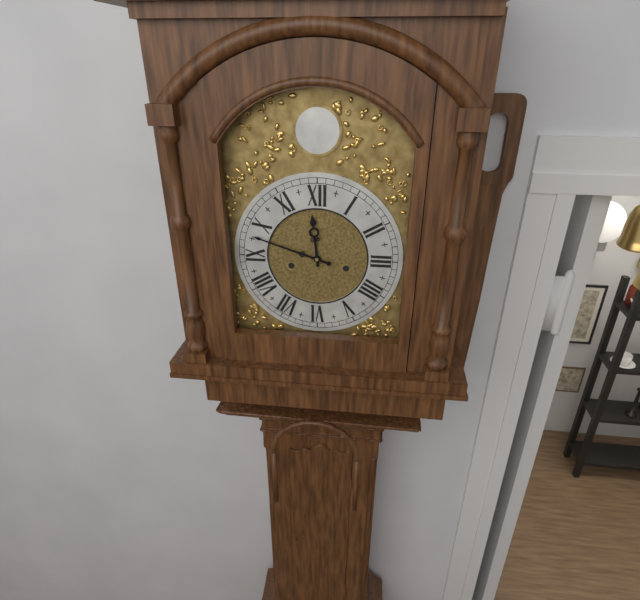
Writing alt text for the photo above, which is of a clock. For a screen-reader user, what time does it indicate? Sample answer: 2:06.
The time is 11:48
